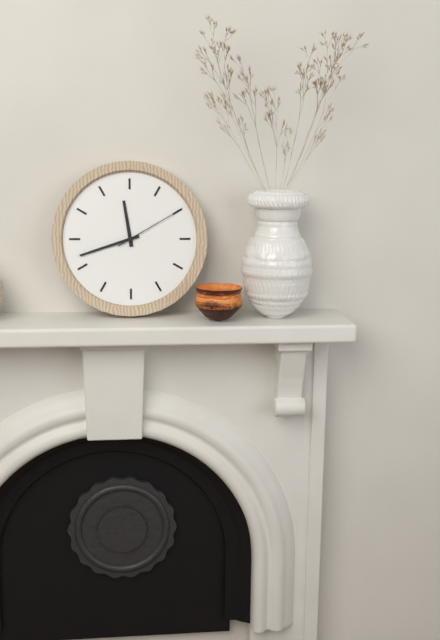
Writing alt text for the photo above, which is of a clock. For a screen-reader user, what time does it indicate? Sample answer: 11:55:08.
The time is 11:42:10
